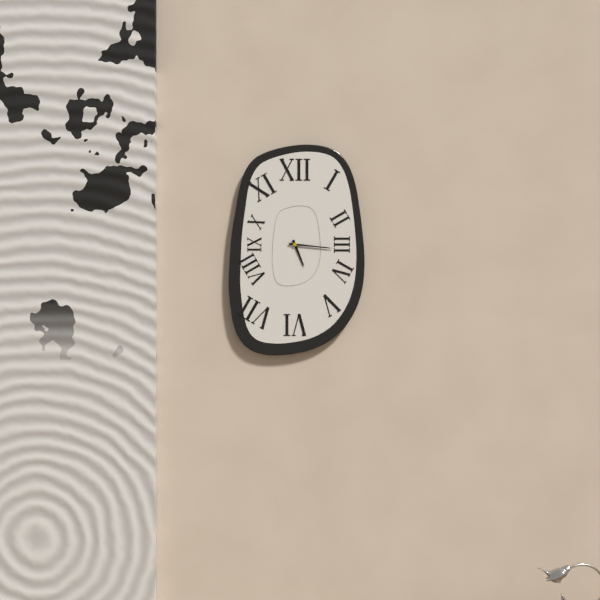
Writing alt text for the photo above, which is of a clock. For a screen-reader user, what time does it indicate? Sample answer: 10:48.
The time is 5:16
